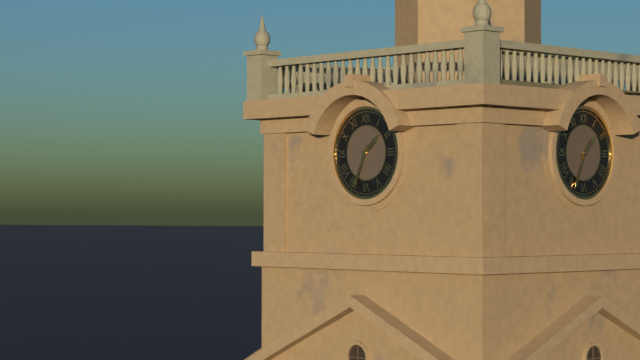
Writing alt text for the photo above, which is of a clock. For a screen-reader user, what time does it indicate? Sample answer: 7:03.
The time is 1:34
